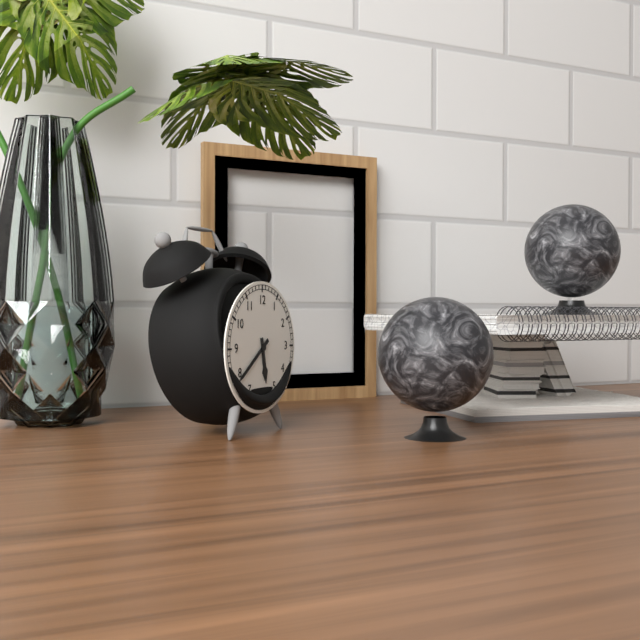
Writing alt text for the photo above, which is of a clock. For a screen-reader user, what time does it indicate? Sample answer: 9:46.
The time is 5:39
